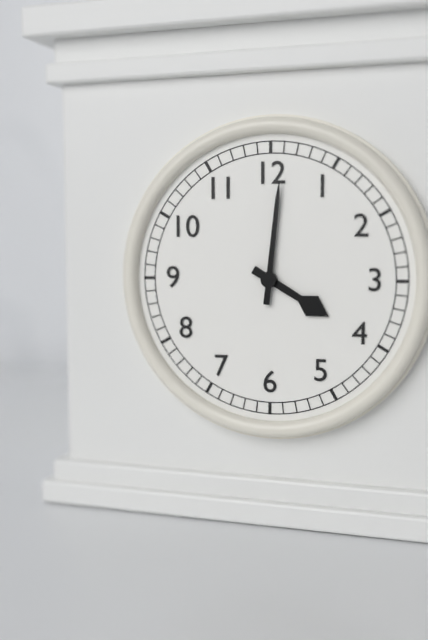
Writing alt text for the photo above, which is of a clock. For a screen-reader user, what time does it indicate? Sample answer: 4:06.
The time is 4:01
